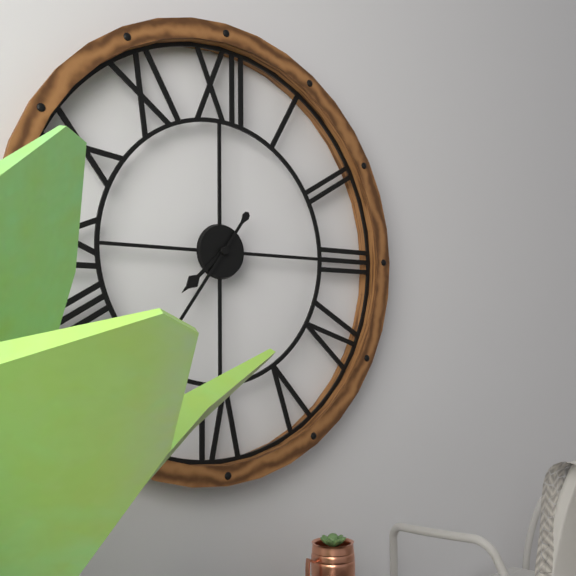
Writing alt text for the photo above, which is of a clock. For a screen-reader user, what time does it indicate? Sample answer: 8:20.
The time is 7:36
